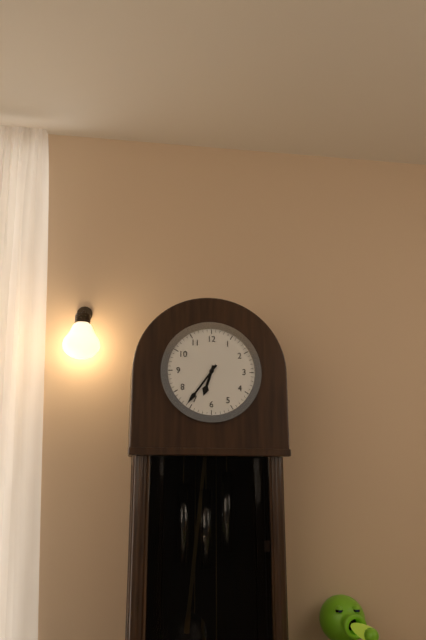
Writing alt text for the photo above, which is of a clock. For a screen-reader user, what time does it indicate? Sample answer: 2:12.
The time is 6:36
